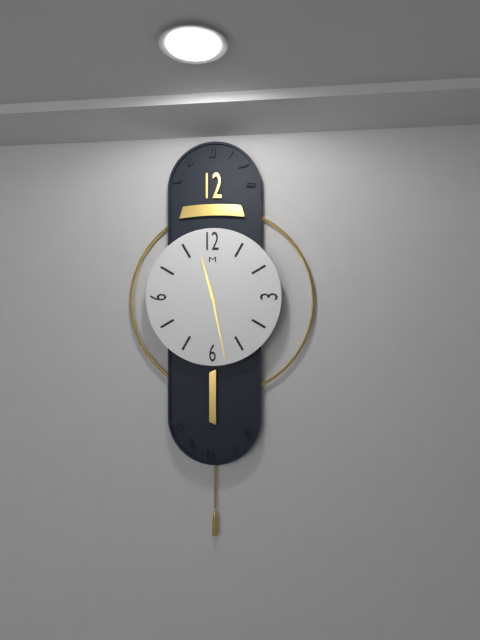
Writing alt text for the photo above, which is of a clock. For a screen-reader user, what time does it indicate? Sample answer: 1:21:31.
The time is 11:28:28
